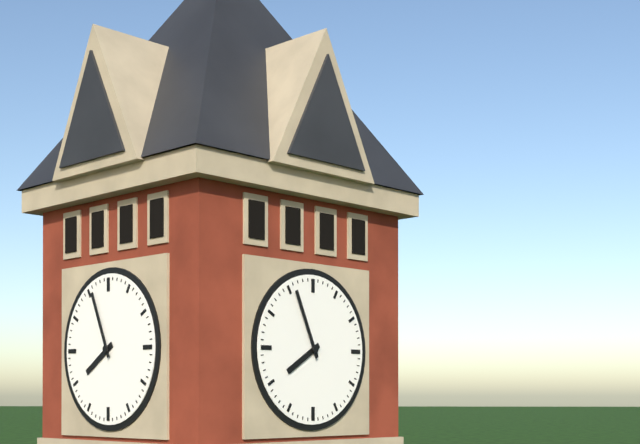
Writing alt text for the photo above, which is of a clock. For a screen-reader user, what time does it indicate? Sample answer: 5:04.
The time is 7:56
